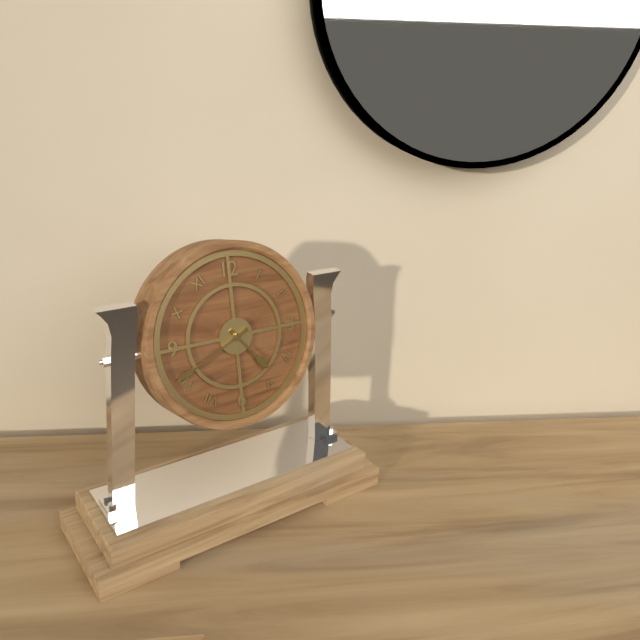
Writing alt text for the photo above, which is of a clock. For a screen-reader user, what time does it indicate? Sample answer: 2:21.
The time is 4:41
